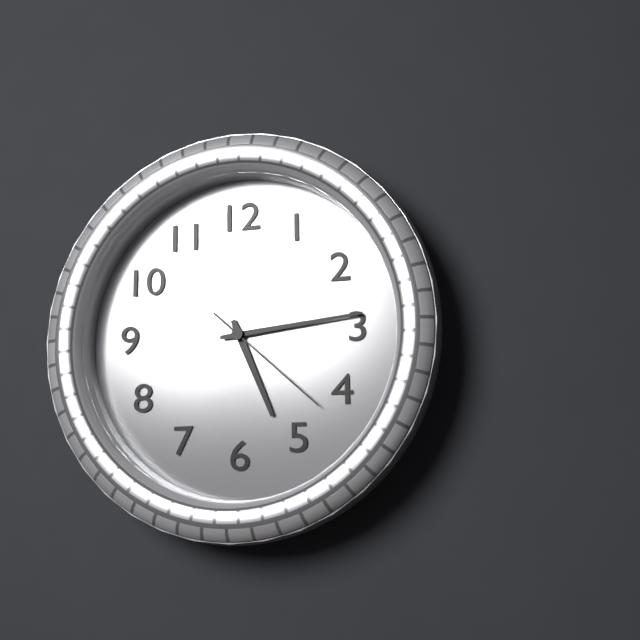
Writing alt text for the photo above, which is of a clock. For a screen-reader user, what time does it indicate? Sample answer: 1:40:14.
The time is 5:14:22
